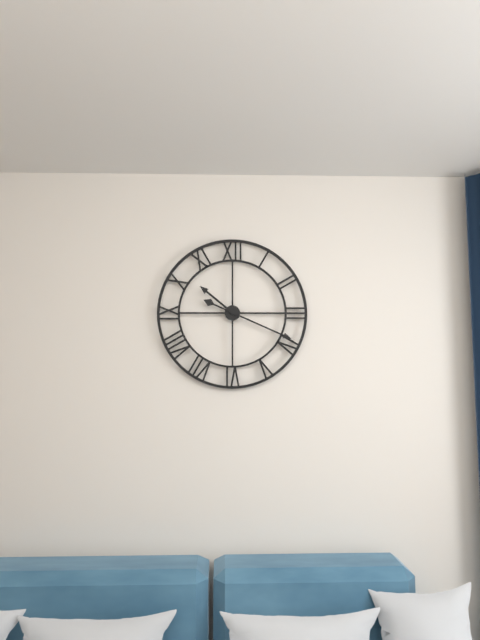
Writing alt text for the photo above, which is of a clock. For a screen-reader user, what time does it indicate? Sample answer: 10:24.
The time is 10:19
